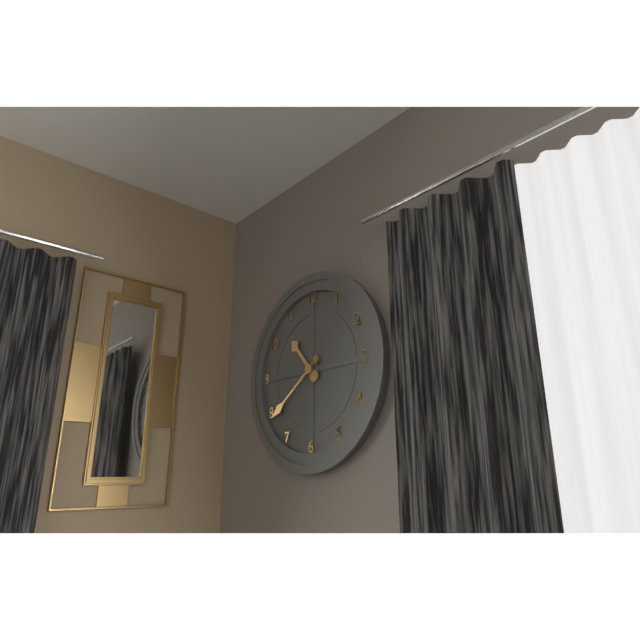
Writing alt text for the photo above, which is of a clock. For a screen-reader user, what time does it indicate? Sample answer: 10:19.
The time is 10:39
